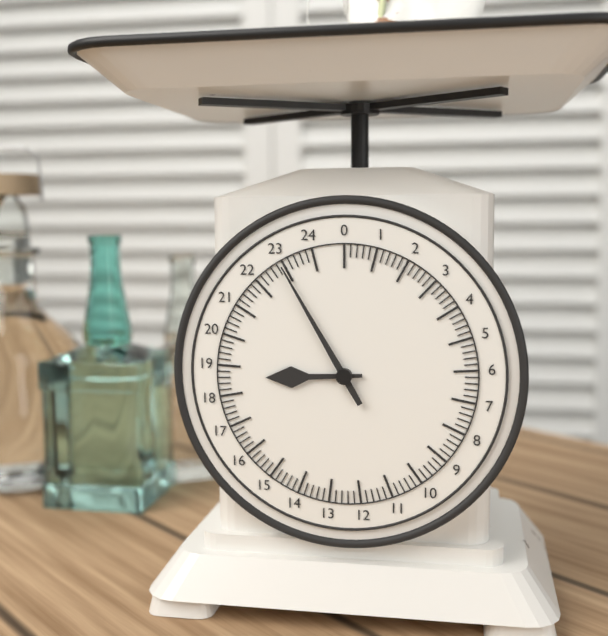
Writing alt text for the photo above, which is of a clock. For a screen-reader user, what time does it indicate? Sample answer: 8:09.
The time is 8:55
